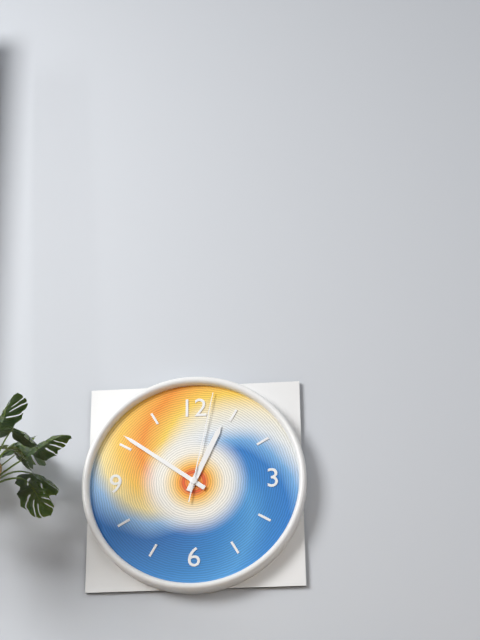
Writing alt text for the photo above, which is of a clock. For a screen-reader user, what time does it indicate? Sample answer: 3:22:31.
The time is 12:51:02
